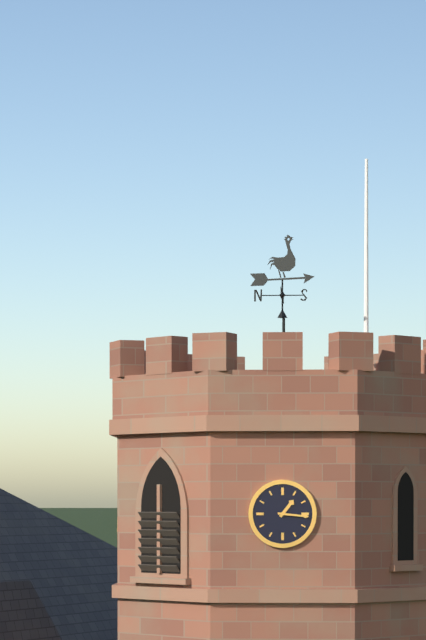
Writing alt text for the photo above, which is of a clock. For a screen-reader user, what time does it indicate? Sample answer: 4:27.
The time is 1:16
